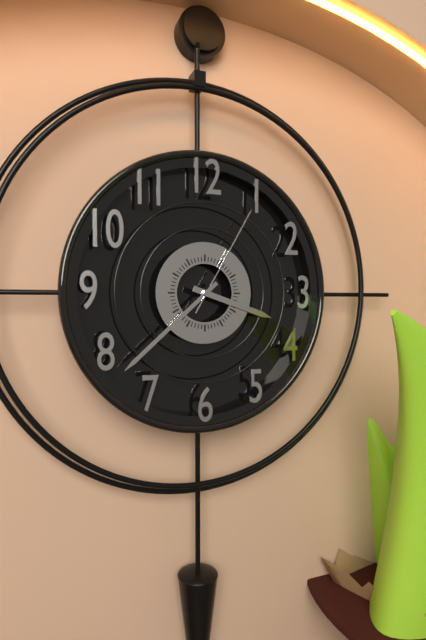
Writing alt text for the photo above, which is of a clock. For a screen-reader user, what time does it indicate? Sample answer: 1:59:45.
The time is 3:38:05
